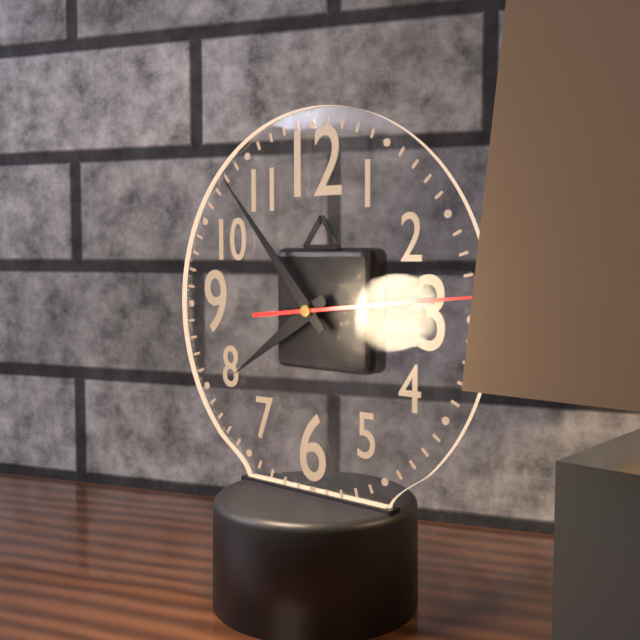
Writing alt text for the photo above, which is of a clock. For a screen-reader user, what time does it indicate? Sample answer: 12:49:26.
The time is 7:53:14
